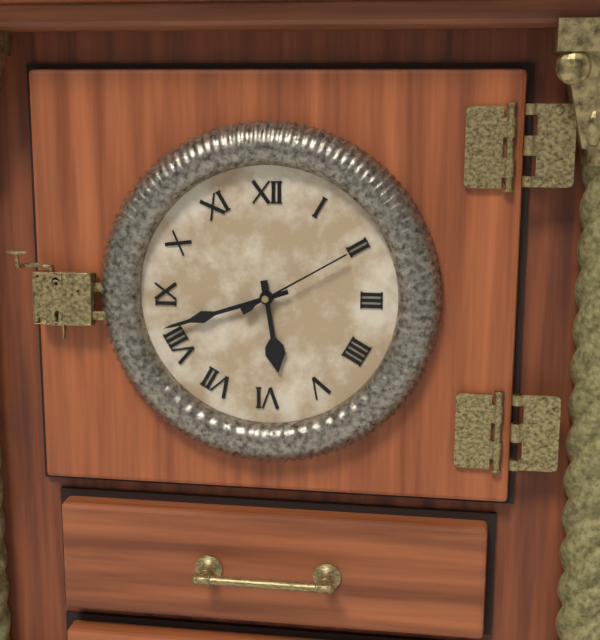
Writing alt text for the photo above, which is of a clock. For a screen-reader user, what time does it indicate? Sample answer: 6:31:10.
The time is 5:42:10
